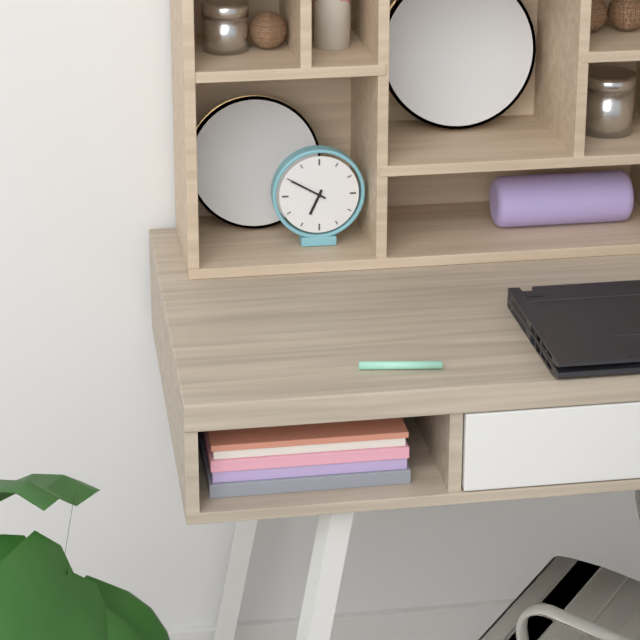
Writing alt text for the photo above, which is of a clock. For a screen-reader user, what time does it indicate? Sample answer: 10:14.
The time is 6:50
